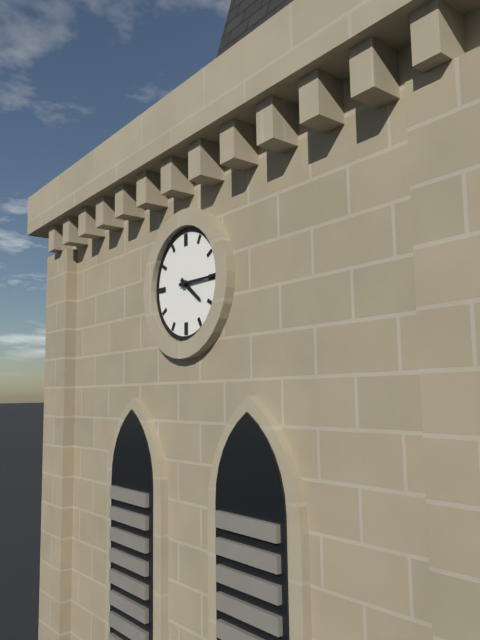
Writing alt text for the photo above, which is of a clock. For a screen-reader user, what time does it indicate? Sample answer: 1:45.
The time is 4:15
